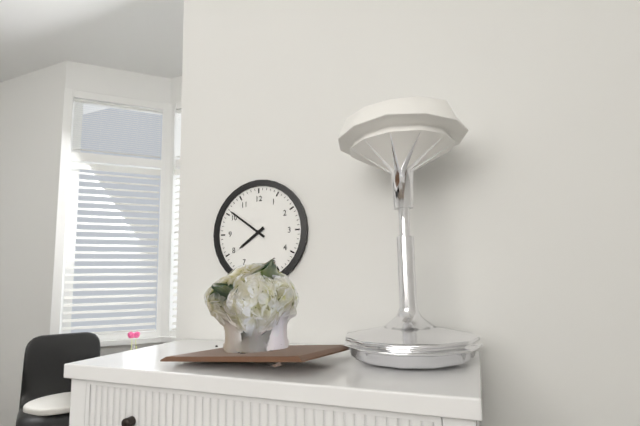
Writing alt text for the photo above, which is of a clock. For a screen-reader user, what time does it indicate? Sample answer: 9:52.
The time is 7:51
